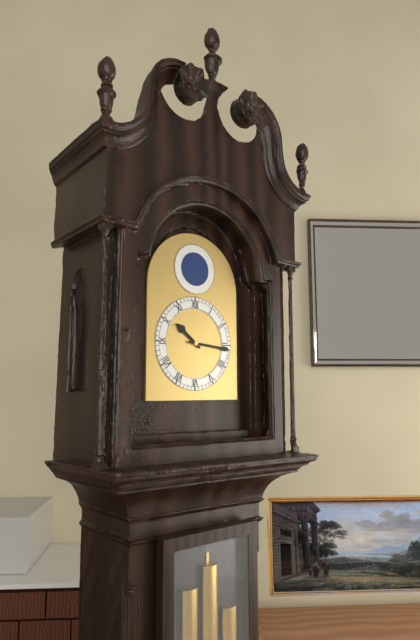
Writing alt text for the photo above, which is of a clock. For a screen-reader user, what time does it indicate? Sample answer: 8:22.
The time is 10:16
